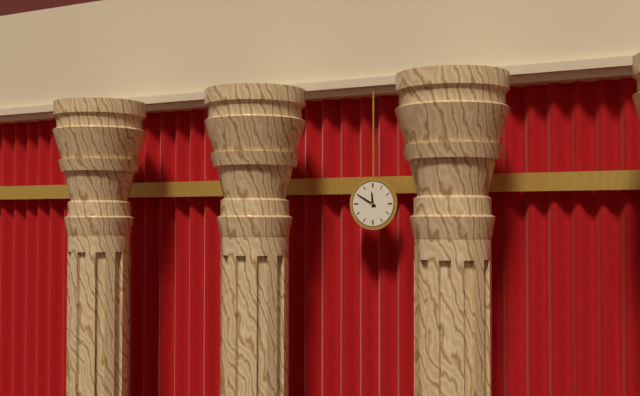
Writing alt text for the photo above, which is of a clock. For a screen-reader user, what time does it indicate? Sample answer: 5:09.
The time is 11:50
